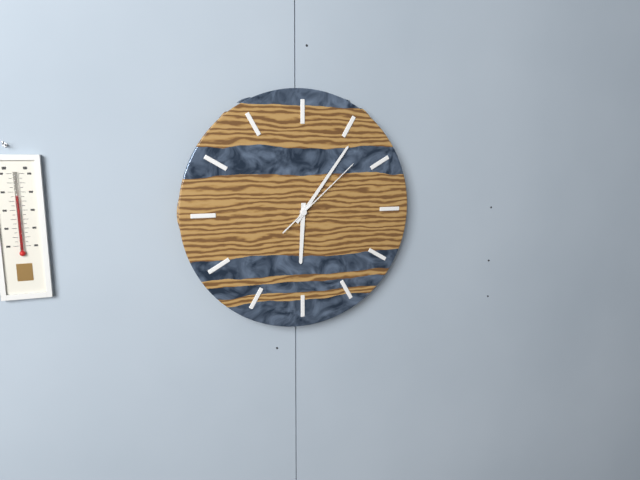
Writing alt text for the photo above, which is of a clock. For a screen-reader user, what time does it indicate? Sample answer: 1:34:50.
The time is 6:06:08
